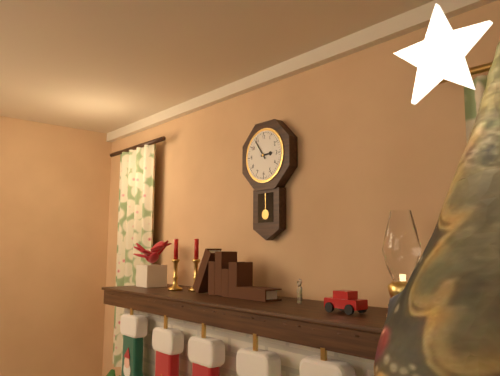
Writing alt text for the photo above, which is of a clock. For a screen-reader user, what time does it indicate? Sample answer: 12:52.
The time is 2:54
